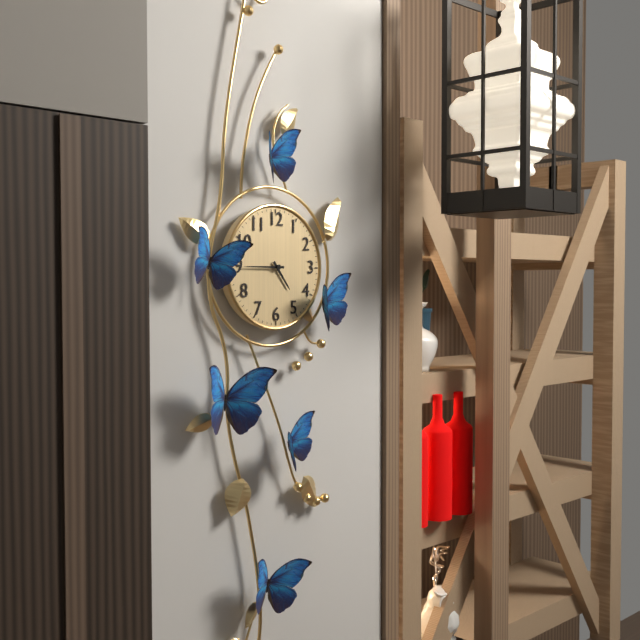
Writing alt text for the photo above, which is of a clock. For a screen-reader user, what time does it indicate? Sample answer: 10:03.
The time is 4:45
